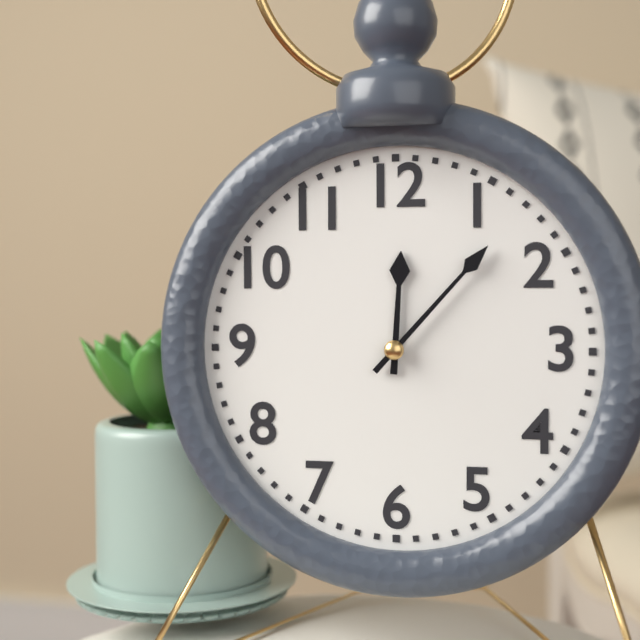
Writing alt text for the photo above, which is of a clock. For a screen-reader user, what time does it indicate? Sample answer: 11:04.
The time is 12:07
